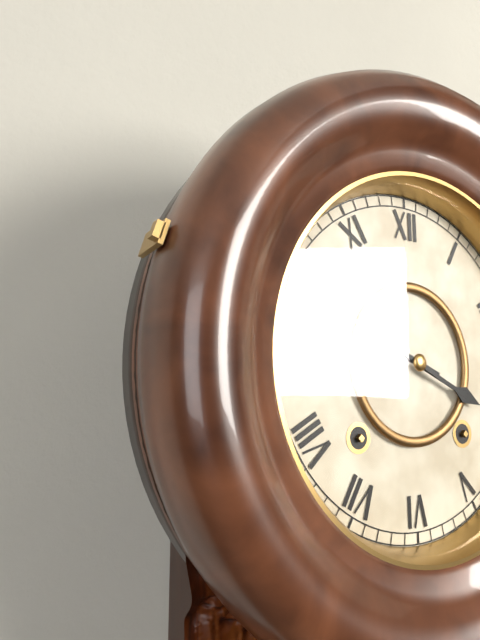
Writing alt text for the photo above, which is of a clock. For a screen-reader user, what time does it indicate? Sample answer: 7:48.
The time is 3:49
